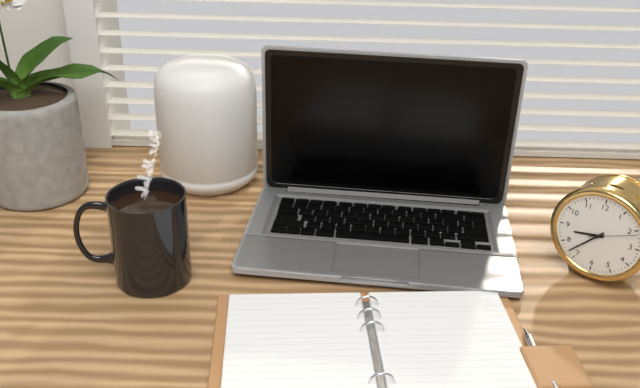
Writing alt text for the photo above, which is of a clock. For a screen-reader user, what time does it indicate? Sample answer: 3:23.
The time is 8:37
